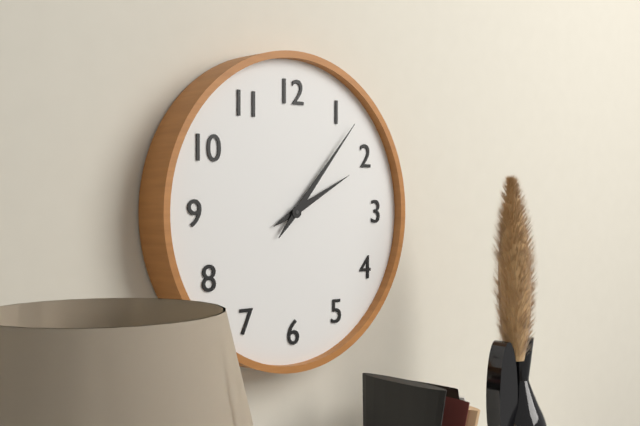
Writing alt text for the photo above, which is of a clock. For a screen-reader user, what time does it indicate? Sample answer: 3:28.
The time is 2:07
